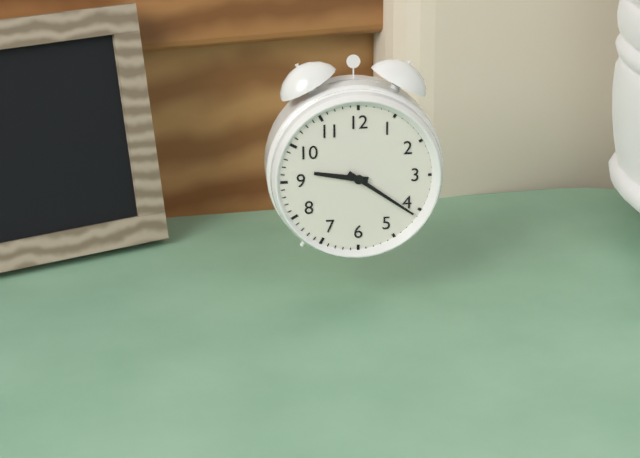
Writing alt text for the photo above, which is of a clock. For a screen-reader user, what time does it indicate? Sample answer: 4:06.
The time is 9:21
